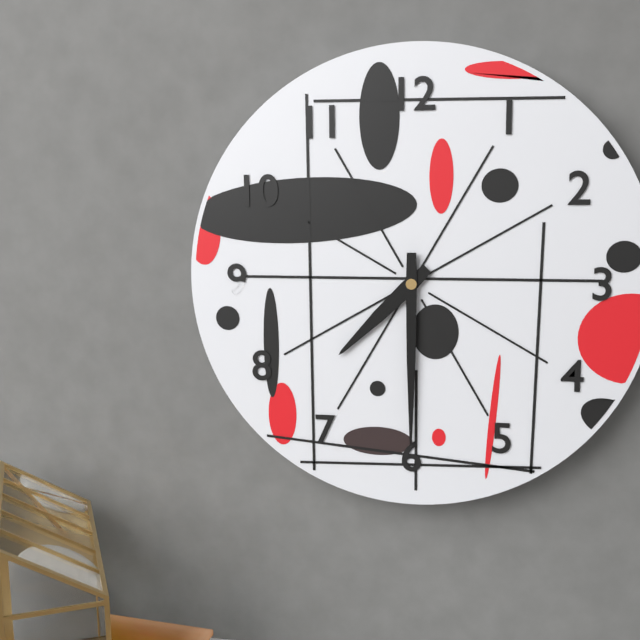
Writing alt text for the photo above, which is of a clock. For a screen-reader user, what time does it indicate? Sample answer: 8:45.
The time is 7:30
